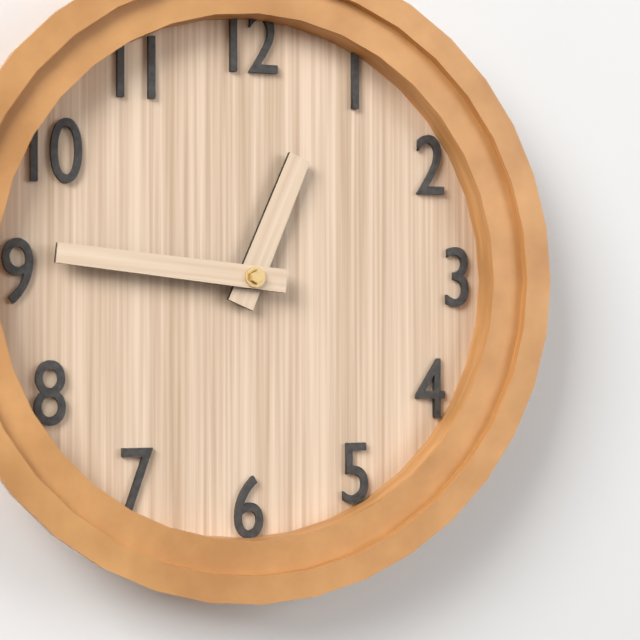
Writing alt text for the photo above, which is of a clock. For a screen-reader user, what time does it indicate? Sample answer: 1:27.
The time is 12:46
